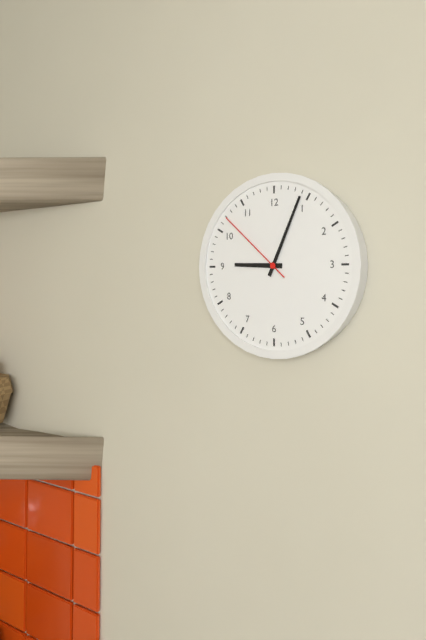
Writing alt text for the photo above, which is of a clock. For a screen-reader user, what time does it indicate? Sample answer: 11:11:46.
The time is 9:04:52
